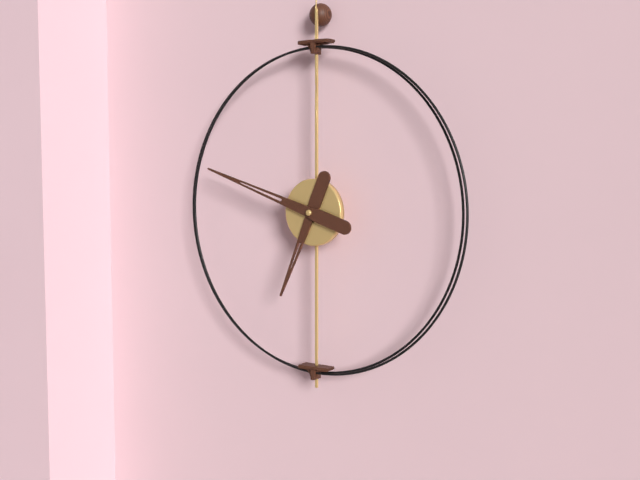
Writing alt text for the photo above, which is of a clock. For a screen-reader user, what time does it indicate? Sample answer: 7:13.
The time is 6:48
